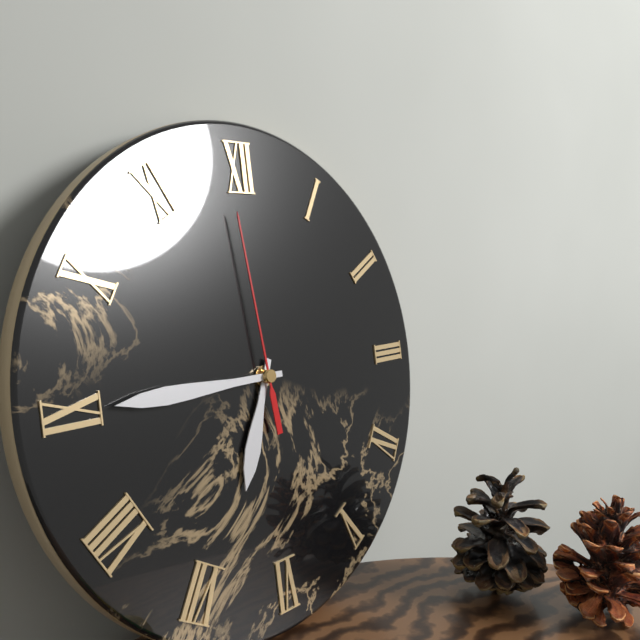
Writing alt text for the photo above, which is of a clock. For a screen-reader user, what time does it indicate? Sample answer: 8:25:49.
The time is 6:45:59
